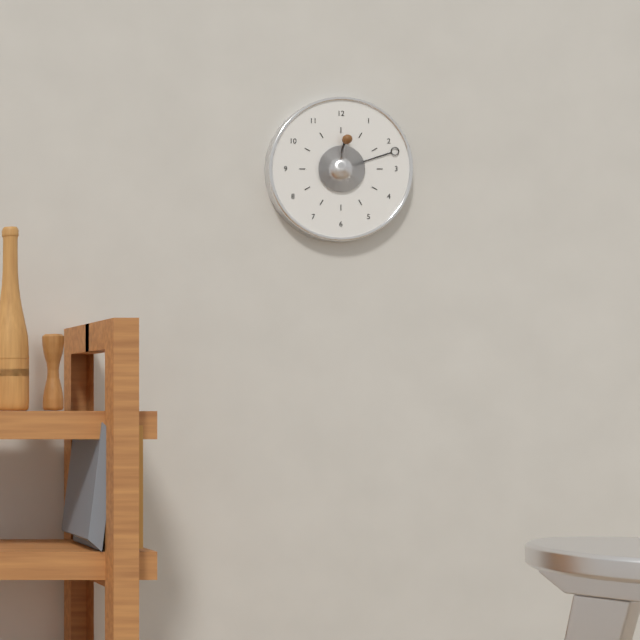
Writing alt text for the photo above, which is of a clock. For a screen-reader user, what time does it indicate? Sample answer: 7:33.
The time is 12:12
